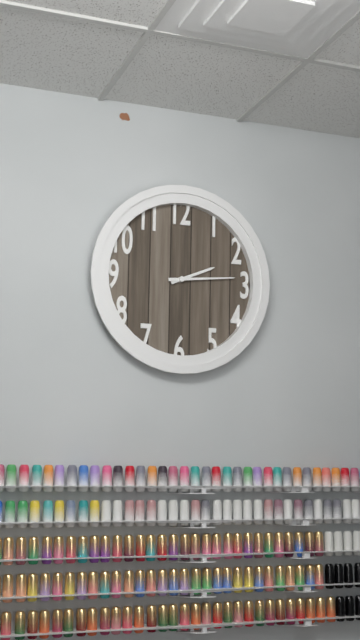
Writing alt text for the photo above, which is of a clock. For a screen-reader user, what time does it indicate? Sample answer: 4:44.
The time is 2:14
